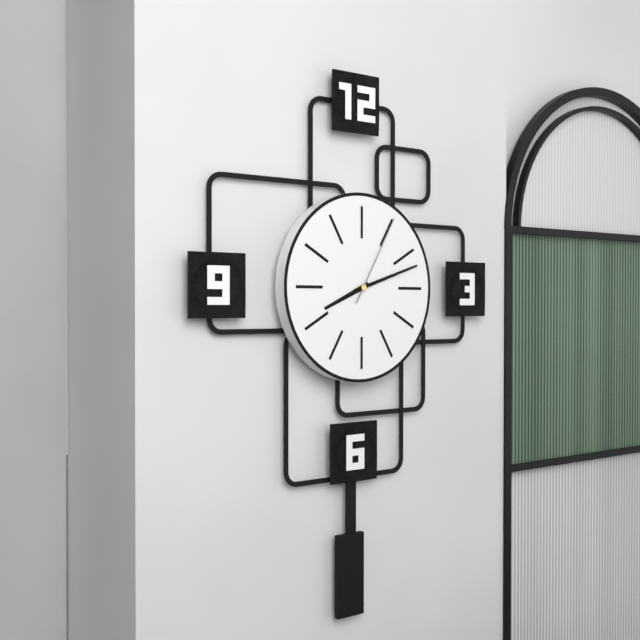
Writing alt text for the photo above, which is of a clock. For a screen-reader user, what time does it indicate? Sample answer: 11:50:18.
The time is 8:12:05
